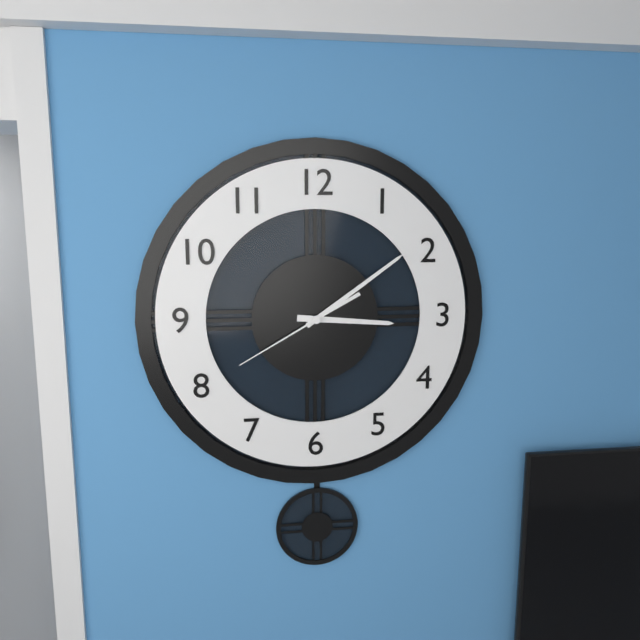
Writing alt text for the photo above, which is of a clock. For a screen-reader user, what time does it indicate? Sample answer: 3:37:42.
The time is 3:09:40
